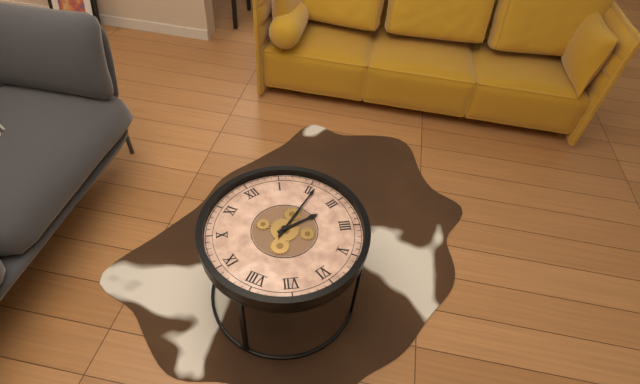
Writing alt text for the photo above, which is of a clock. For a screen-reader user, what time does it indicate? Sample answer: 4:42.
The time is 3:11
